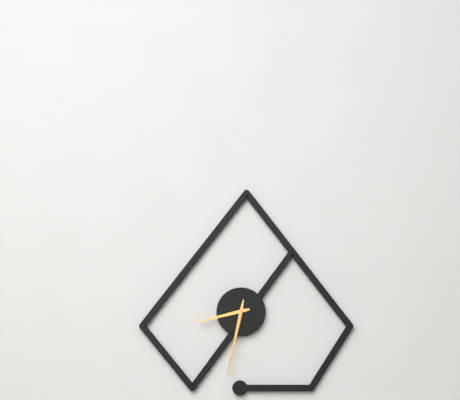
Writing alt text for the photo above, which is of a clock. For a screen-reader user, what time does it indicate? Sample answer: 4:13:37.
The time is 8:32:32
